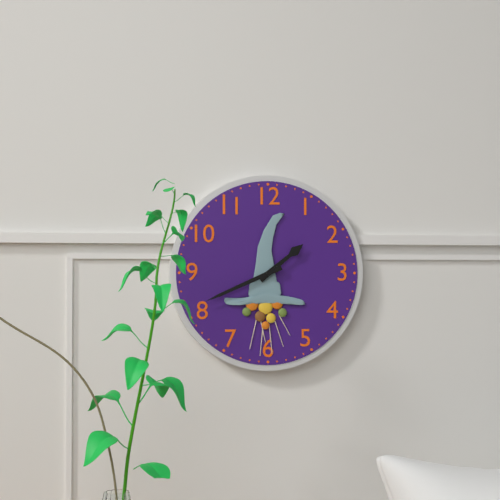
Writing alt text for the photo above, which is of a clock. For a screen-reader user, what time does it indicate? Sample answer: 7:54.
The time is 1:41
